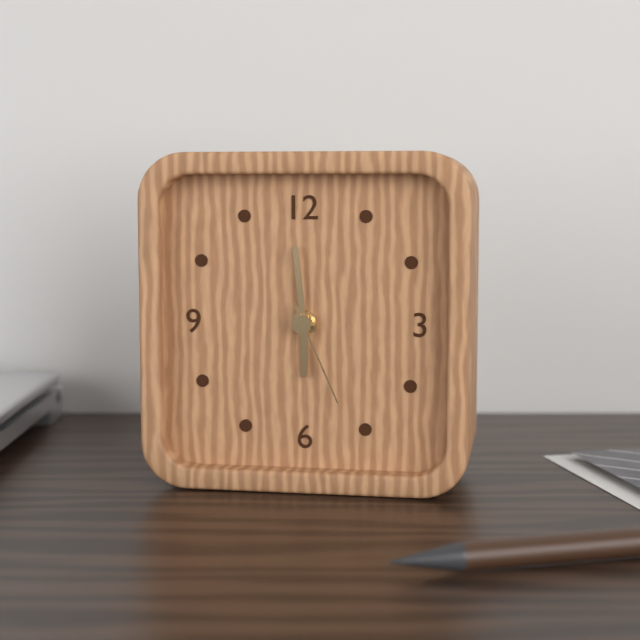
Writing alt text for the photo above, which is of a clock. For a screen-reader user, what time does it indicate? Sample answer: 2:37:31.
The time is 5:59:26
